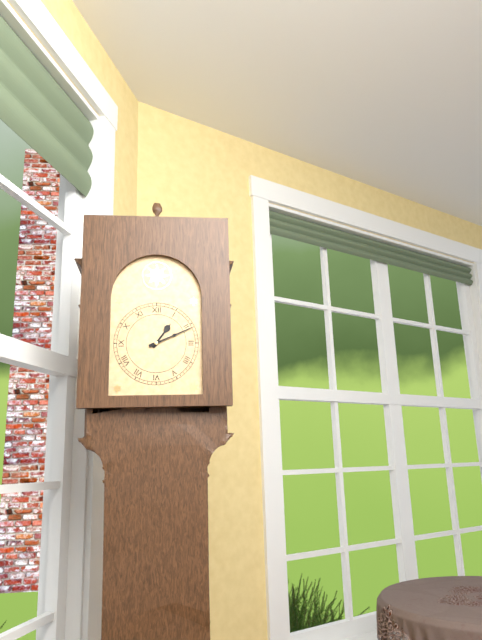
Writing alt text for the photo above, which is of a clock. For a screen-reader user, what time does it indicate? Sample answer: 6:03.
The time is 1:11
